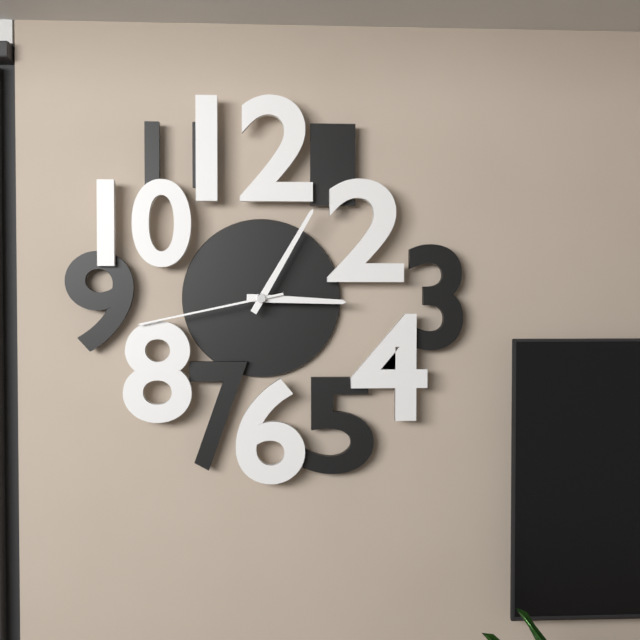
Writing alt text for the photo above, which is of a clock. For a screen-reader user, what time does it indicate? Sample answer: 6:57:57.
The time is 3:05:43
